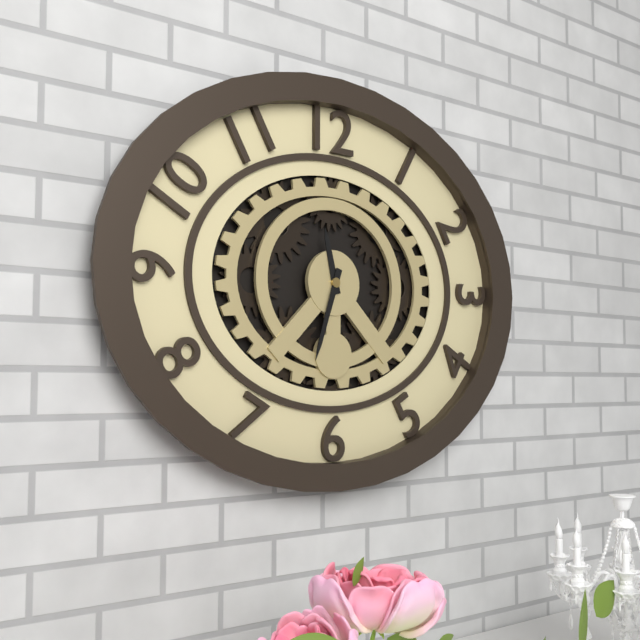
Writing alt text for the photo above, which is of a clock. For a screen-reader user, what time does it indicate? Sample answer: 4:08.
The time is 11:33
